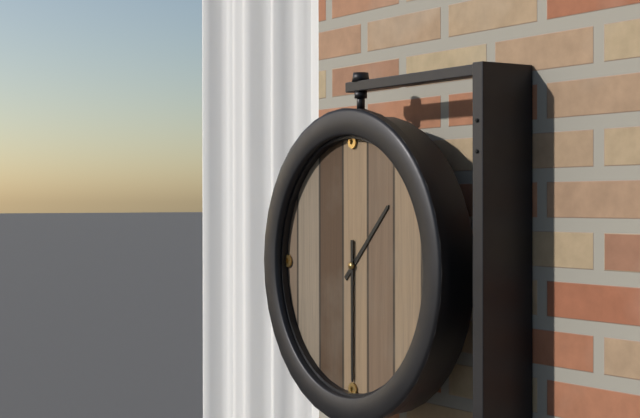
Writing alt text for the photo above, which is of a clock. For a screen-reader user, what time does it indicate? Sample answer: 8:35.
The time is 1:30
